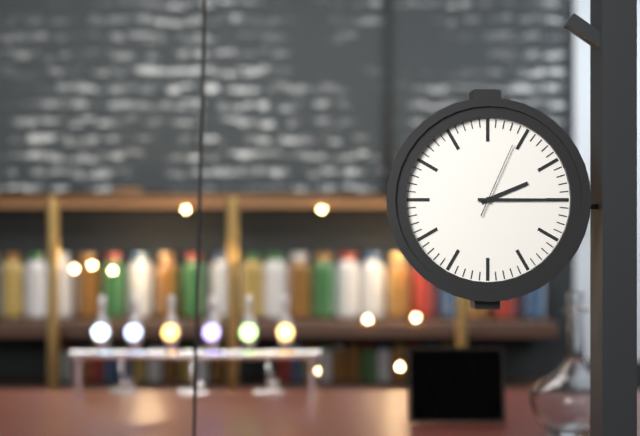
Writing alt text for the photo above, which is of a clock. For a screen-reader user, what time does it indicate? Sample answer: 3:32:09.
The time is 2:15:04
